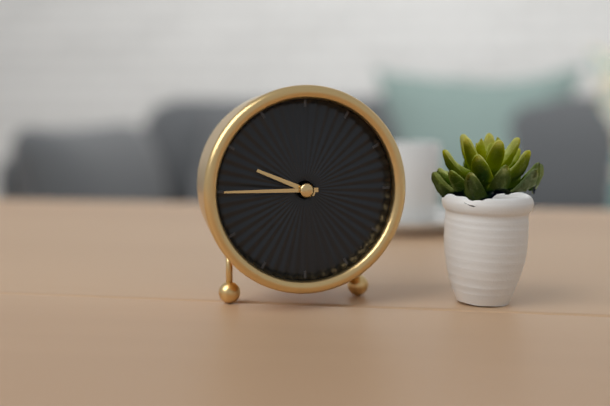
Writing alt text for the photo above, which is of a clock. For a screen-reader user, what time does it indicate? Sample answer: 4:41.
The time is 9:45
